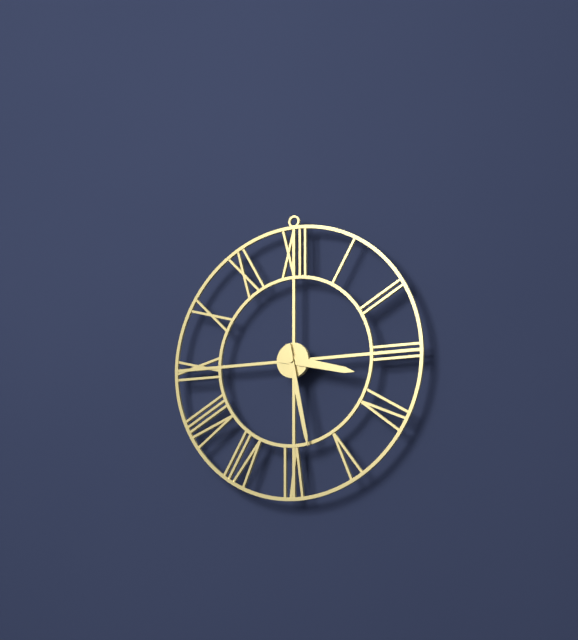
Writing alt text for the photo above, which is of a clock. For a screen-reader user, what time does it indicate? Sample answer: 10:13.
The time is 3:28
